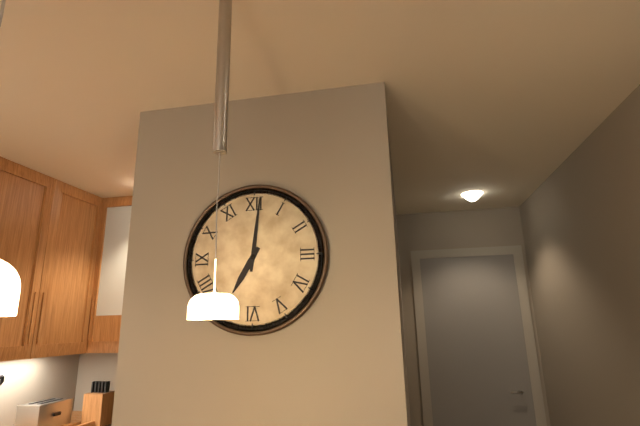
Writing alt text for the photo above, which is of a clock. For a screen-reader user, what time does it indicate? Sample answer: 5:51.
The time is 7:01
